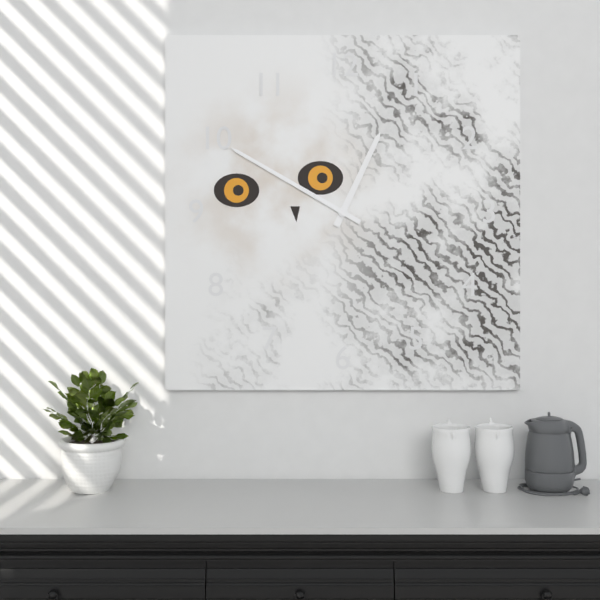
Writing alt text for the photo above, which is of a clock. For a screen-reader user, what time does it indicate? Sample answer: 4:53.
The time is 12:50
